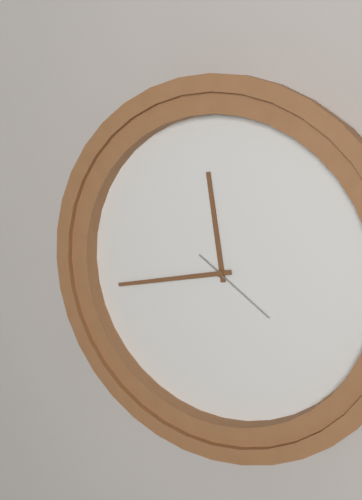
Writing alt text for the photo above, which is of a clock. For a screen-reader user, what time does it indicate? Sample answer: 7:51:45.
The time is 11:43:21
